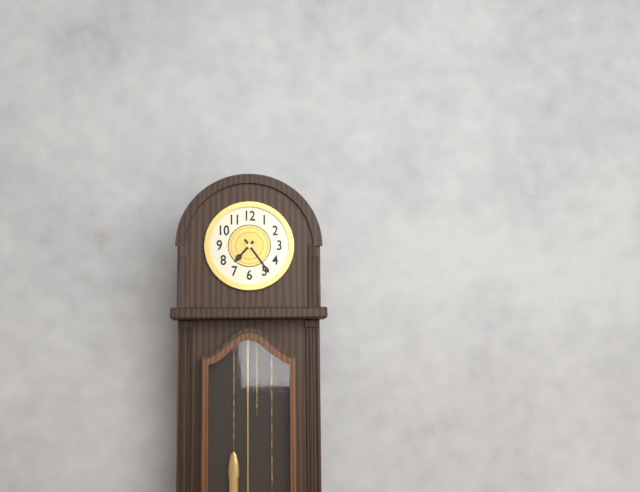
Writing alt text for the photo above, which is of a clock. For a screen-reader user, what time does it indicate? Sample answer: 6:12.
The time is 7:24
